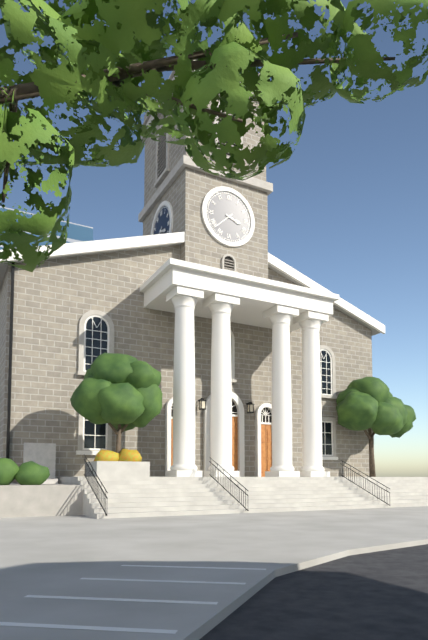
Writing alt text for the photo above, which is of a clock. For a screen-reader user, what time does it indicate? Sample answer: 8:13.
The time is 3:38
